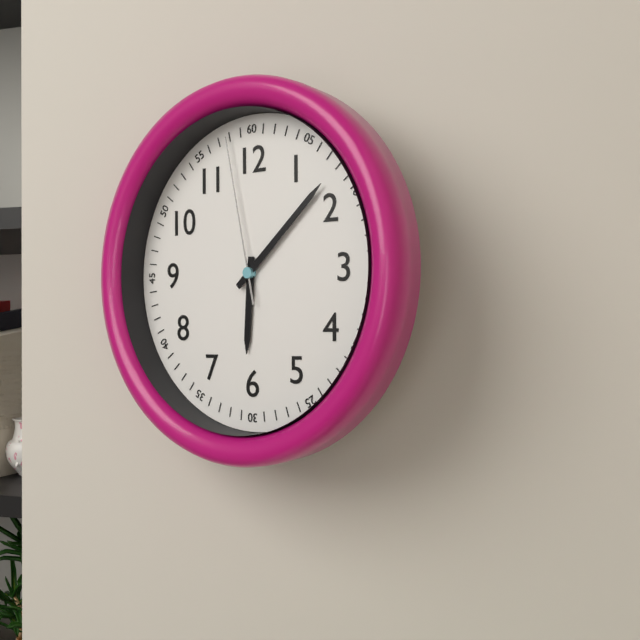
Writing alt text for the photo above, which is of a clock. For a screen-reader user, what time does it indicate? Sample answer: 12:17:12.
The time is 6:08:58
